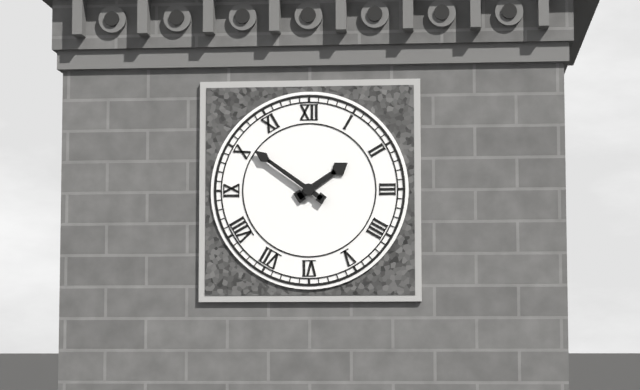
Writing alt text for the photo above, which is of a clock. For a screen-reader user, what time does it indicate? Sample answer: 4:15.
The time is 1:51
